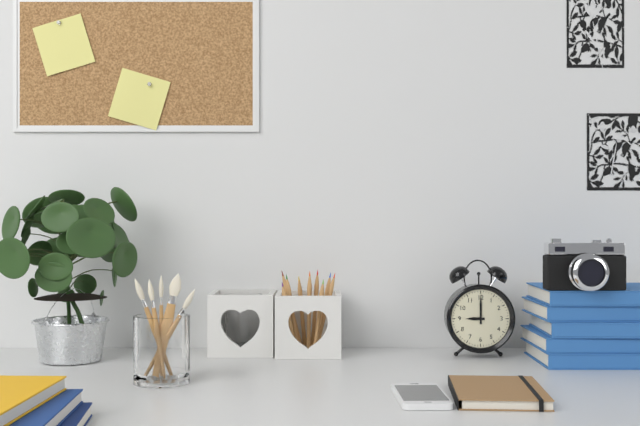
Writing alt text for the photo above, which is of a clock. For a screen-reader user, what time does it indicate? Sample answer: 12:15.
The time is 9:00
